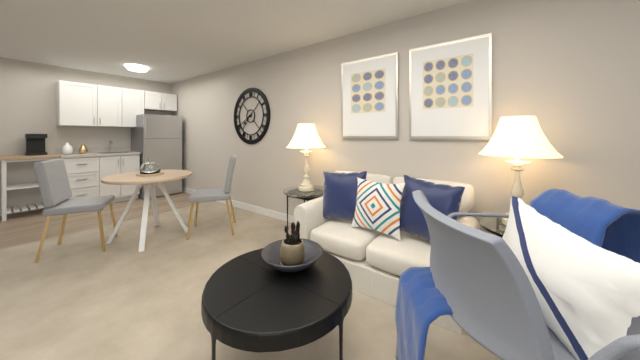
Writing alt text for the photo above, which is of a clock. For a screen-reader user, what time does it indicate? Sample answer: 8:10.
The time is 7:40
